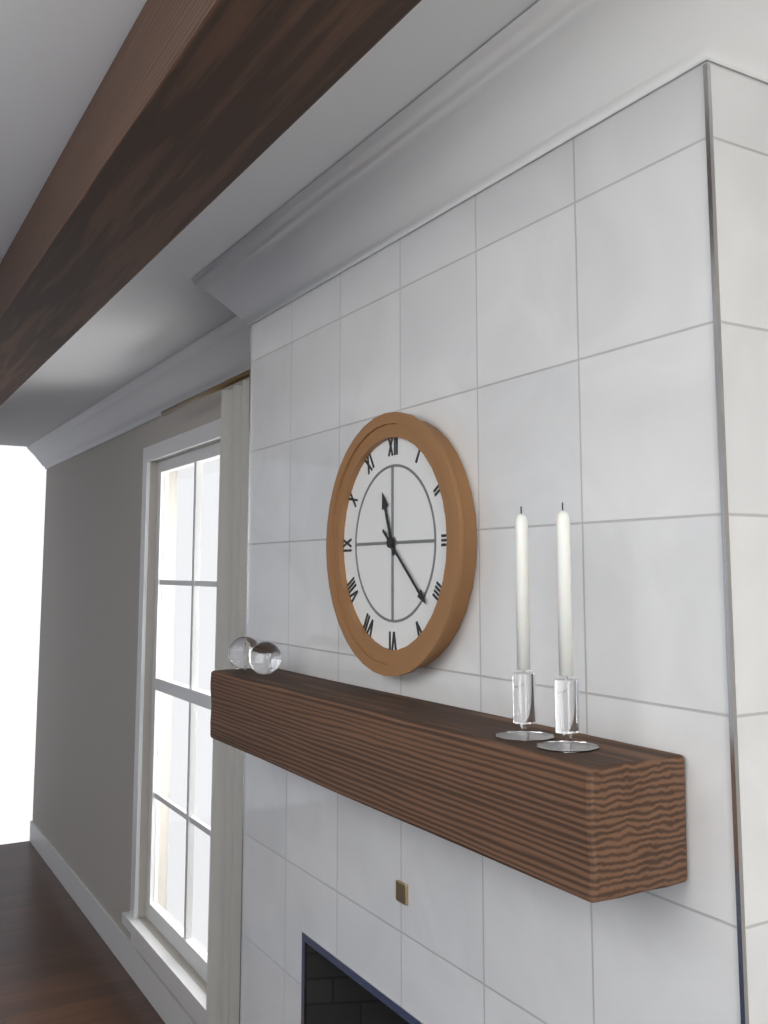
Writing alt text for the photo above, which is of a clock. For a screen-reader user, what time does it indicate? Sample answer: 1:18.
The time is 11:22
